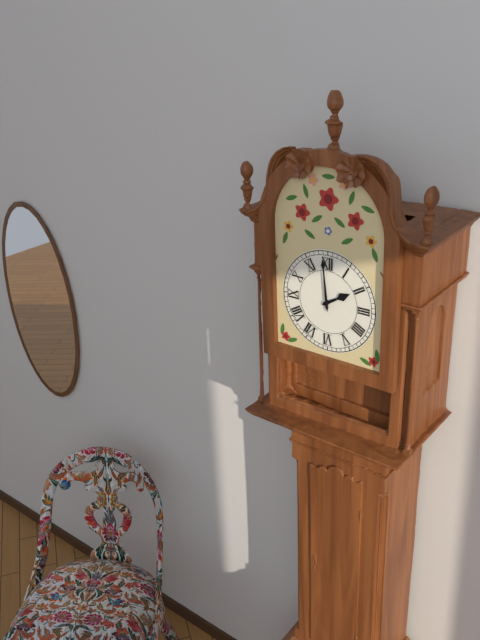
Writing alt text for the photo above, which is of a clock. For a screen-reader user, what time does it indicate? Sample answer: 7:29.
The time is 1:59
